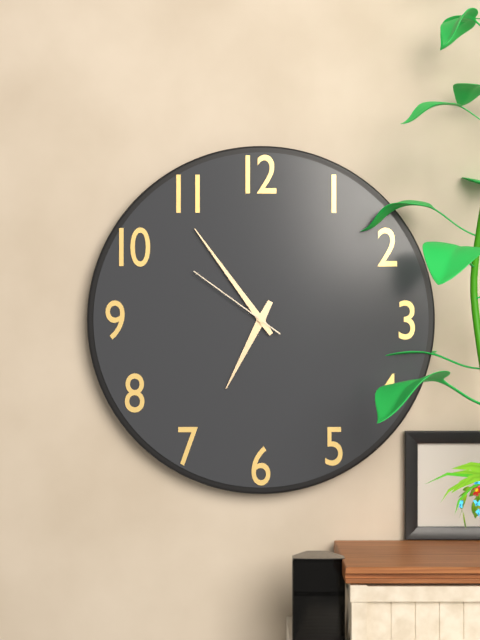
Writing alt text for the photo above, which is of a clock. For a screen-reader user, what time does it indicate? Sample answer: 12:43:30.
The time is 6:54:51
